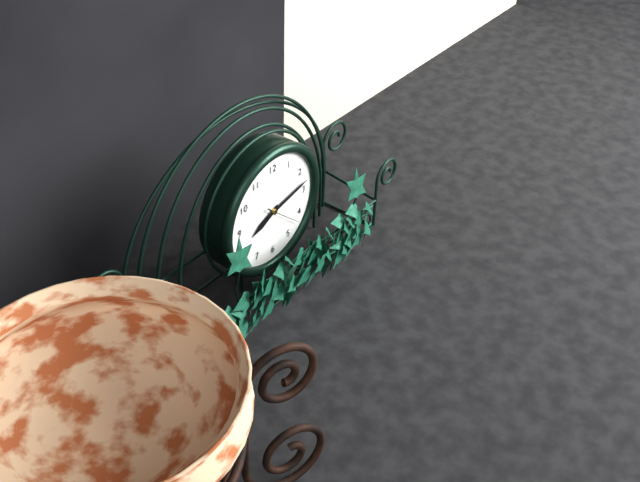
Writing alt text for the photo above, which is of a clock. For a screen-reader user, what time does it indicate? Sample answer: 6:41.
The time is 8:13
